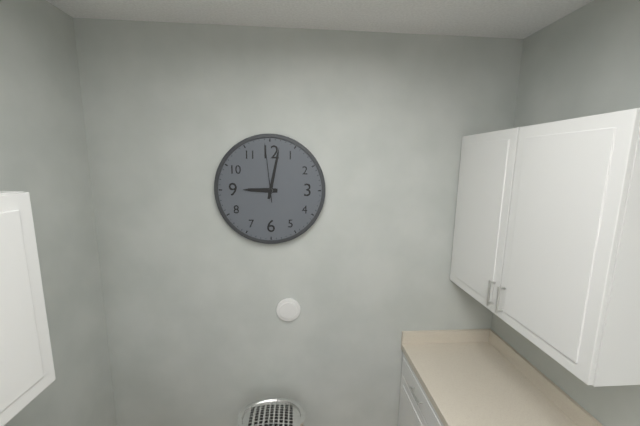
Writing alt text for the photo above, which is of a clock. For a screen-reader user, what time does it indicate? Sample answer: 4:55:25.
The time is 9:02:59
